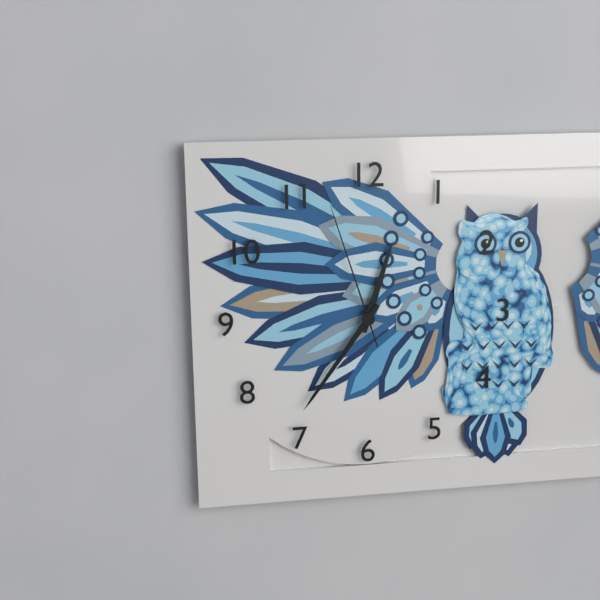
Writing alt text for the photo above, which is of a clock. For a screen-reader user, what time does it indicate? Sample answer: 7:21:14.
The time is 12:36:57
